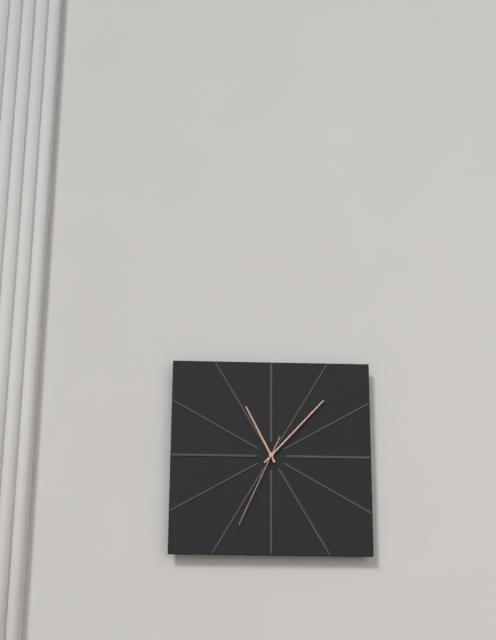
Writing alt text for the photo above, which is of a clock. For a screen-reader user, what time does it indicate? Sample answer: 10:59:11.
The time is 11:07:34
